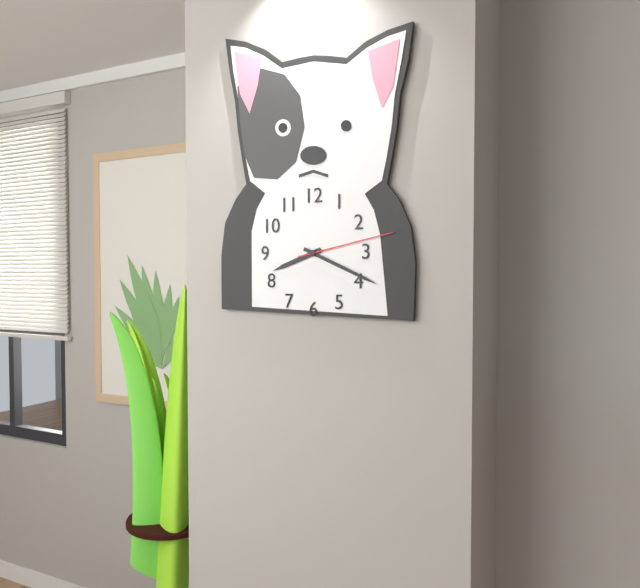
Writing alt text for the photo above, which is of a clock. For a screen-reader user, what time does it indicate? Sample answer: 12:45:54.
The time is 8:19:13
